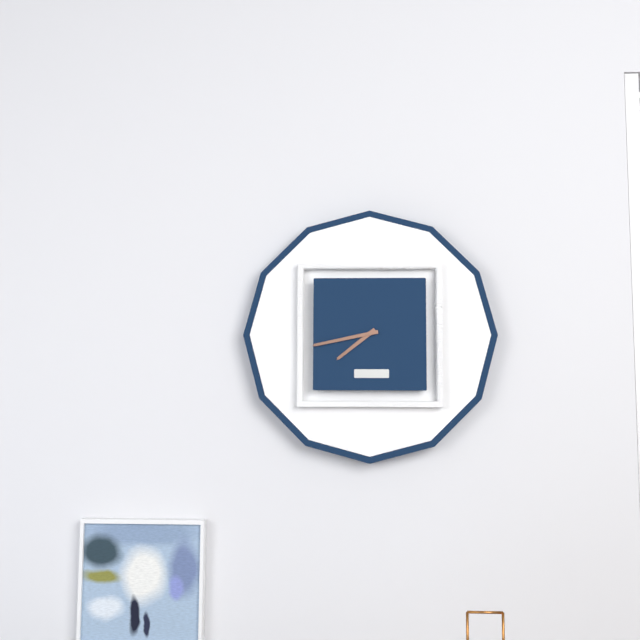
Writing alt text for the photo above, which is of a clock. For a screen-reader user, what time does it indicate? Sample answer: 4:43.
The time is 7:43
